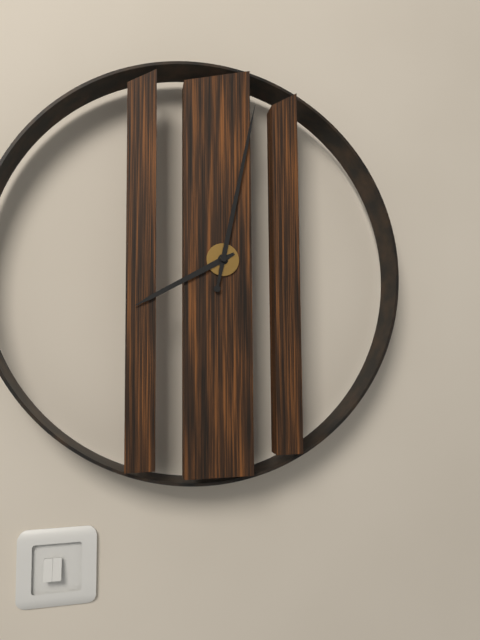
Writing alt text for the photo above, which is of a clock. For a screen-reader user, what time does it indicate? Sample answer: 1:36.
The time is 8:02
